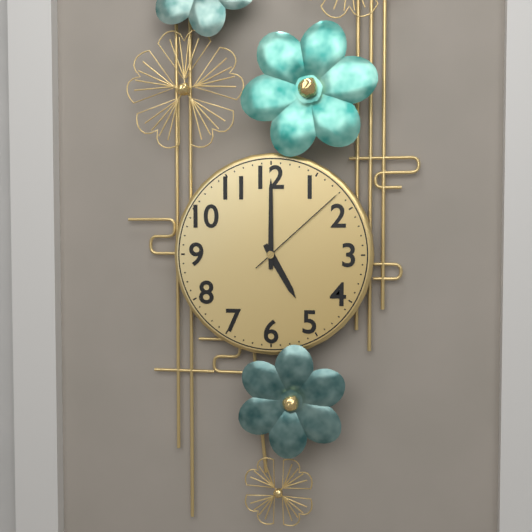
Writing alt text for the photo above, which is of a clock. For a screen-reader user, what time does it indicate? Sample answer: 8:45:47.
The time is 5:00:08
